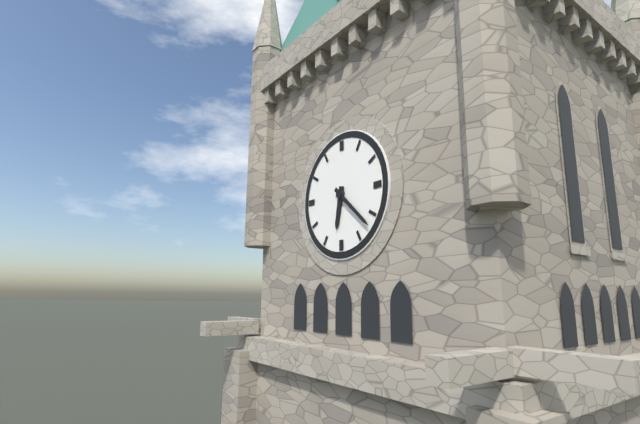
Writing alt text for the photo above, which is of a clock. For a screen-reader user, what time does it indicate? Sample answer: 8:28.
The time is 6:22
